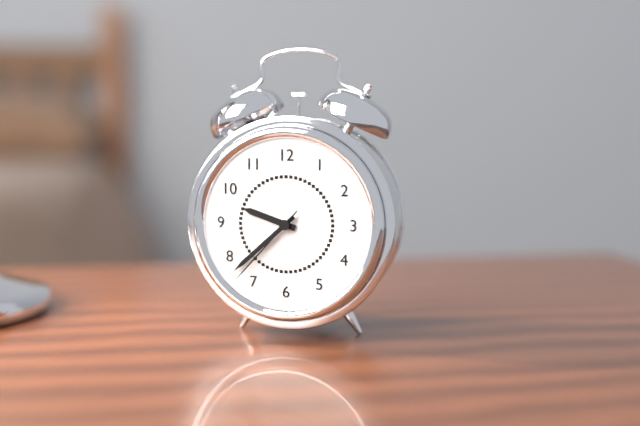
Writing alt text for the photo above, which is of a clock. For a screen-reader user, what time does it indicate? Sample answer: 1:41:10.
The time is 9:38:37
